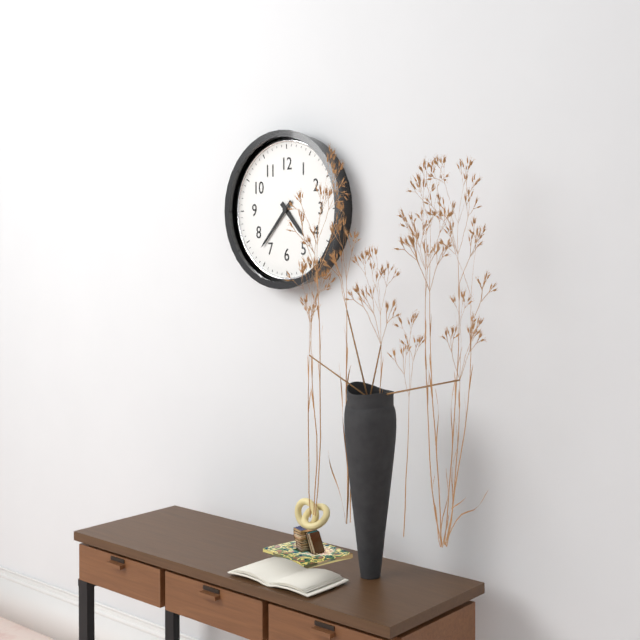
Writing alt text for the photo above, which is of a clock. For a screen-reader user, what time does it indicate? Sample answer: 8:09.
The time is 4:37
